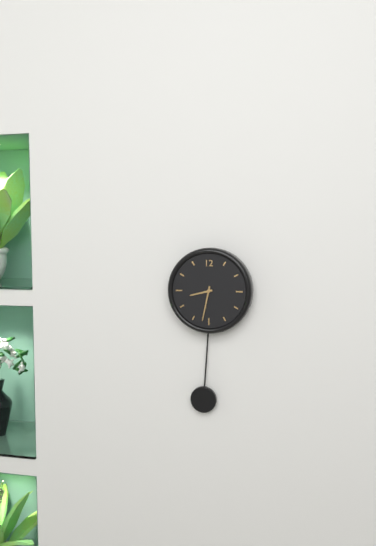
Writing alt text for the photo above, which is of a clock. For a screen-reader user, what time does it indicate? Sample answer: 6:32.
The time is 8:32
